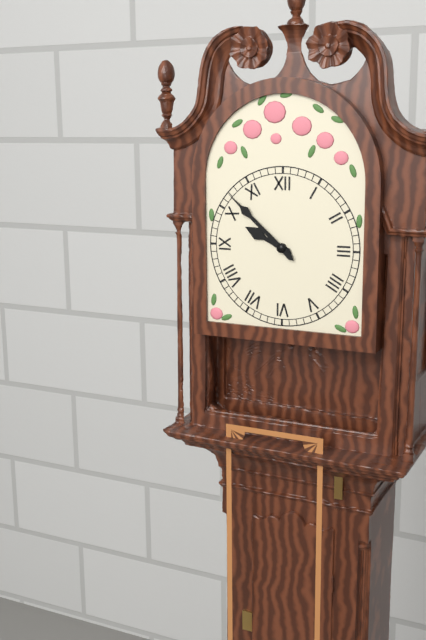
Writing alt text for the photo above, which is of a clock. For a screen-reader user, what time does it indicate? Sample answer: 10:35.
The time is 9:52
